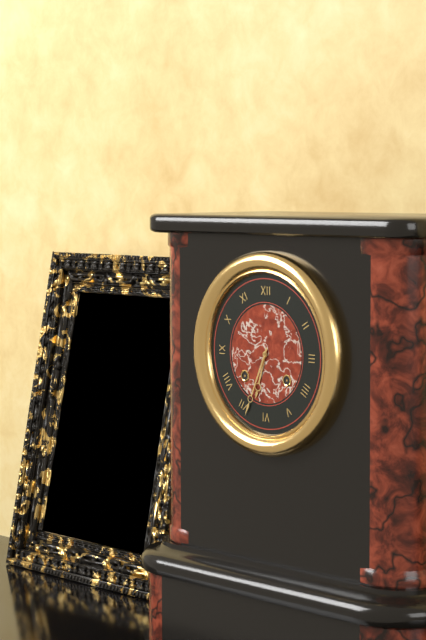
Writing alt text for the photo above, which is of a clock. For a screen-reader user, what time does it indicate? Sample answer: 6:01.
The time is 6:34
